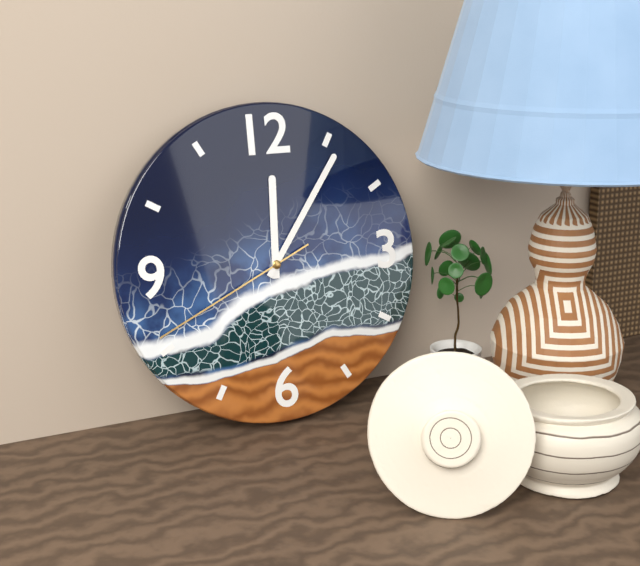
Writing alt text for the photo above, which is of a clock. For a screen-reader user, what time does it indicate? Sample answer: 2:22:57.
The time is 12:06:41
